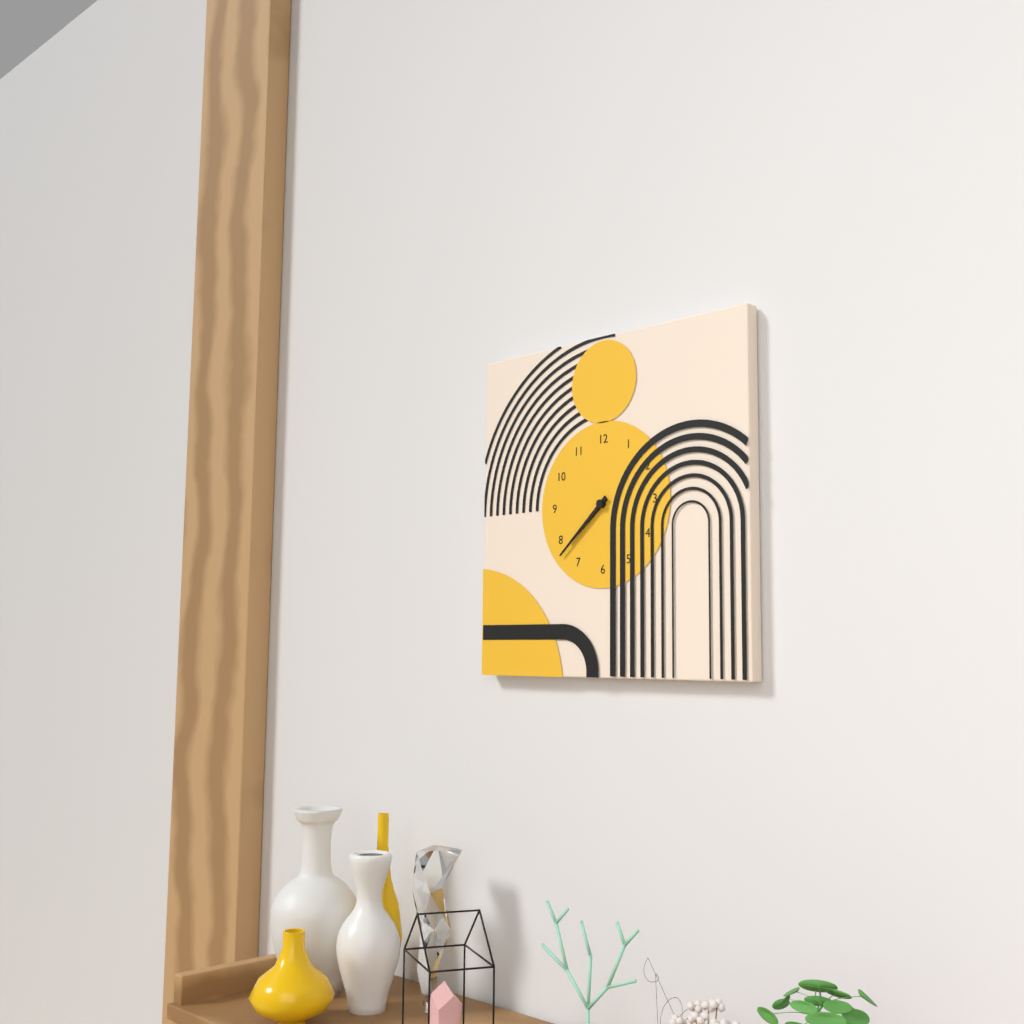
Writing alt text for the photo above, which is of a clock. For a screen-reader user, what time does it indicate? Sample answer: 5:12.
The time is 7:38
